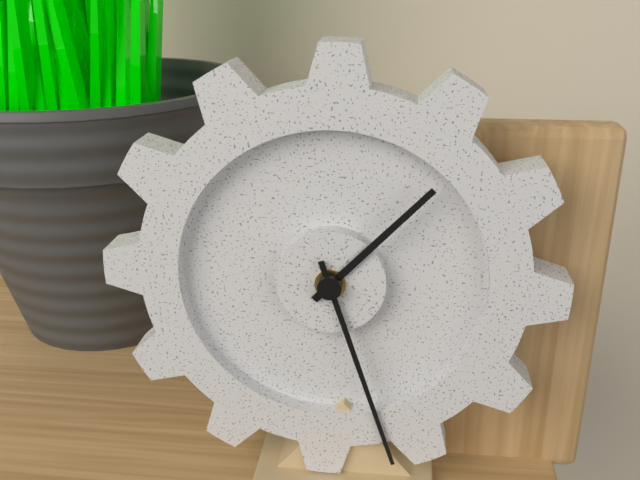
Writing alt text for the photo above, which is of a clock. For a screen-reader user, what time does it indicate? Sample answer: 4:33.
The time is 1:27
